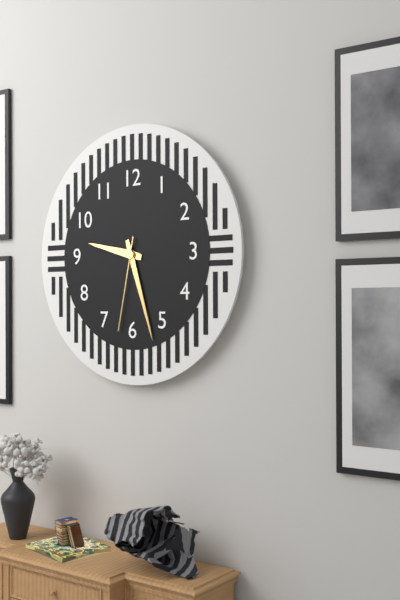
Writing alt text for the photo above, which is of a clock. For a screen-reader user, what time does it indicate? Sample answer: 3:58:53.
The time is 9:27:32
